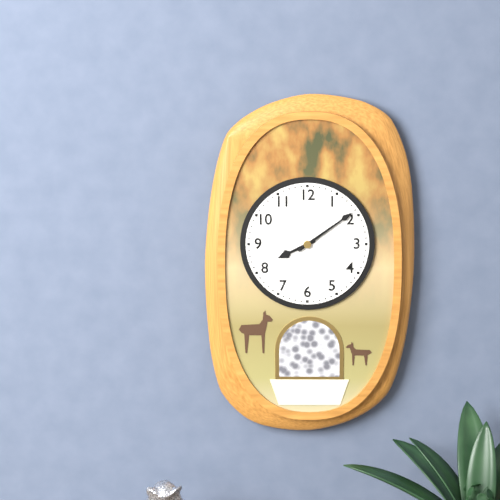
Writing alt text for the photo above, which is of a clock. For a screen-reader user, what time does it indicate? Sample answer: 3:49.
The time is 8:09
